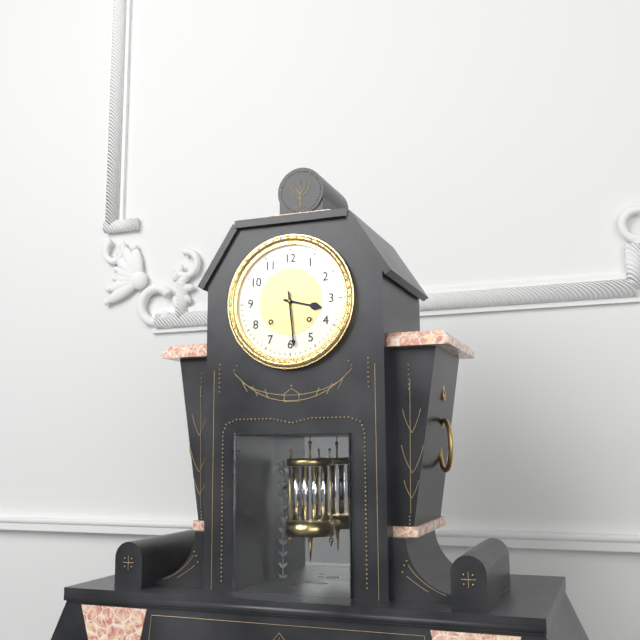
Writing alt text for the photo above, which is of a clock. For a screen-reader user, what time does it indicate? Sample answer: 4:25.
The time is 3:29
